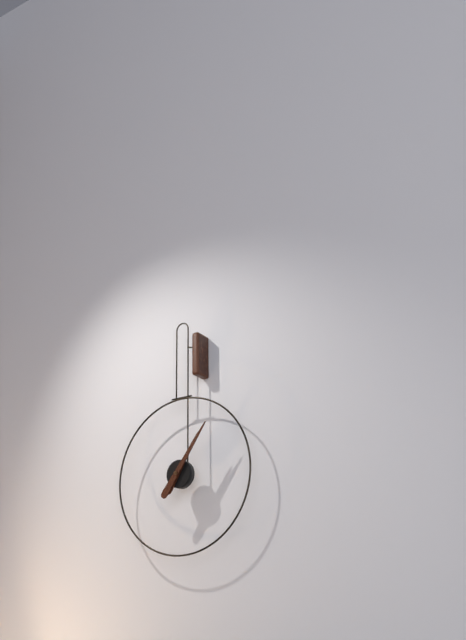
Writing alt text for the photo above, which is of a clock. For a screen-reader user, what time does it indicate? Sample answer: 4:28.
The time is 1:06
